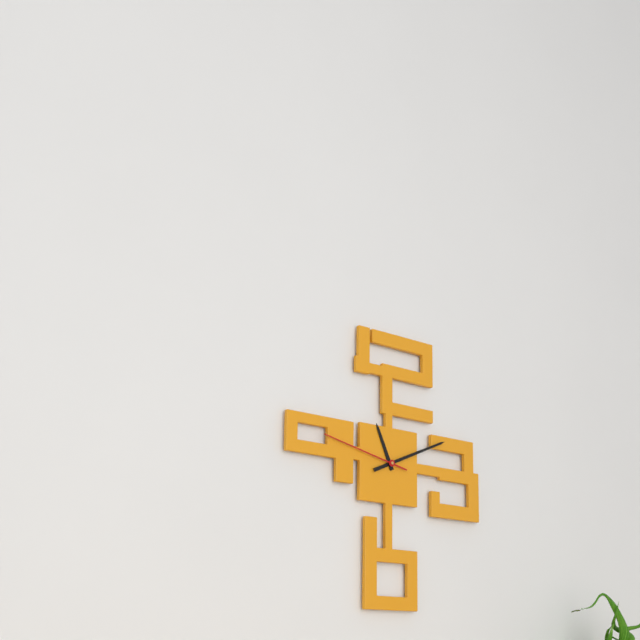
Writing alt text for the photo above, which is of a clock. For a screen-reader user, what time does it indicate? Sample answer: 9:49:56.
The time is 11:11:47
